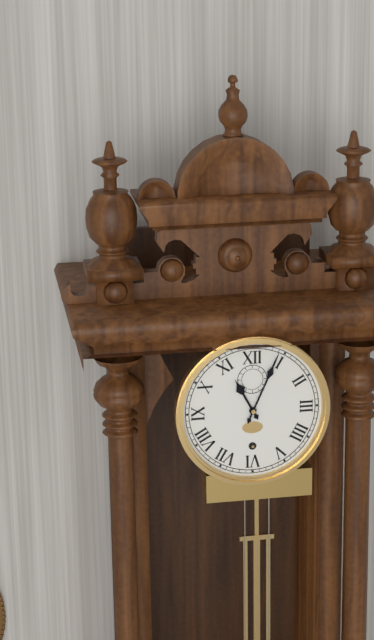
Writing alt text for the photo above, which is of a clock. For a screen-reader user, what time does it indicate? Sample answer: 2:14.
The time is 11:04
